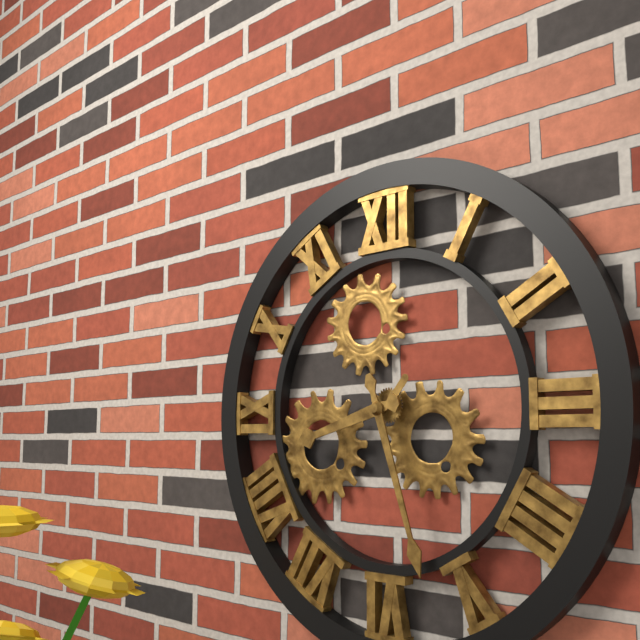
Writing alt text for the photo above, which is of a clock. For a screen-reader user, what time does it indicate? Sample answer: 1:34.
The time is 8:27
